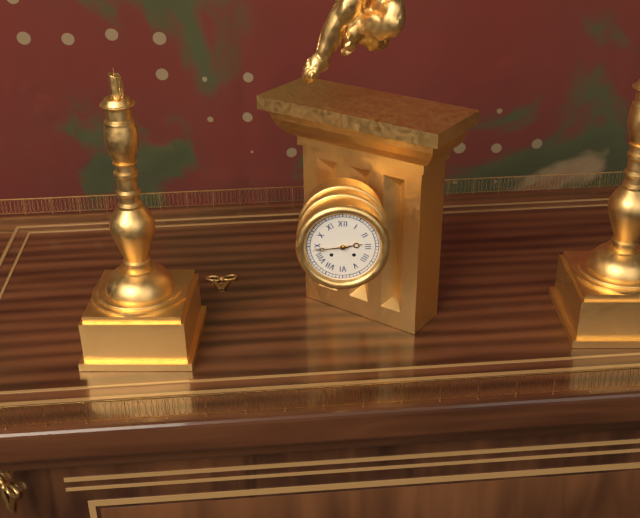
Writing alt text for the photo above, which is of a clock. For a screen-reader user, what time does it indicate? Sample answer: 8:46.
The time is 2:44
